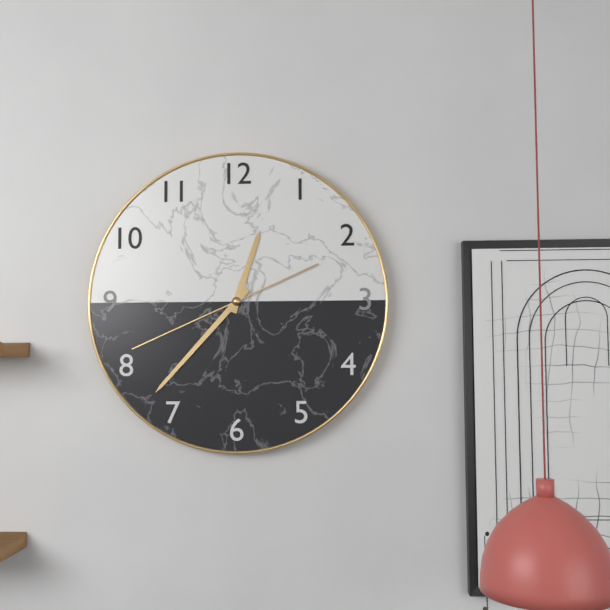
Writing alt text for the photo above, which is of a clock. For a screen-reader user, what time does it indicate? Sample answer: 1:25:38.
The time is 12:37:41
